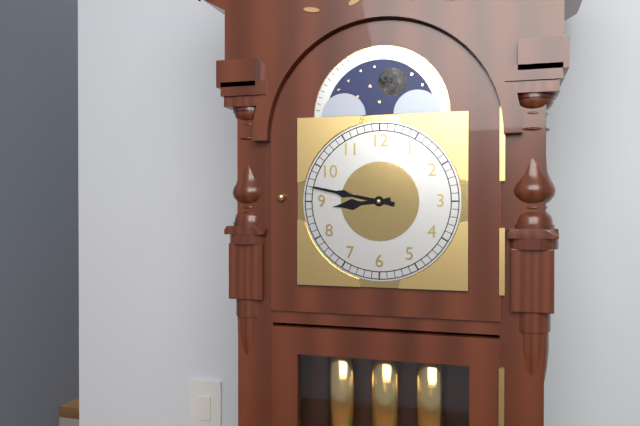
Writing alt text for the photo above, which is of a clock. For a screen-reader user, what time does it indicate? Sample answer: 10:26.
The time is 8:47
